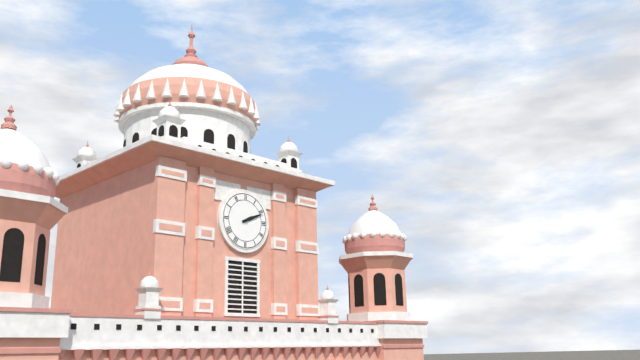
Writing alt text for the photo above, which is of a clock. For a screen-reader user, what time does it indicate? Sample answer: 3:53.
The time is 2:11
